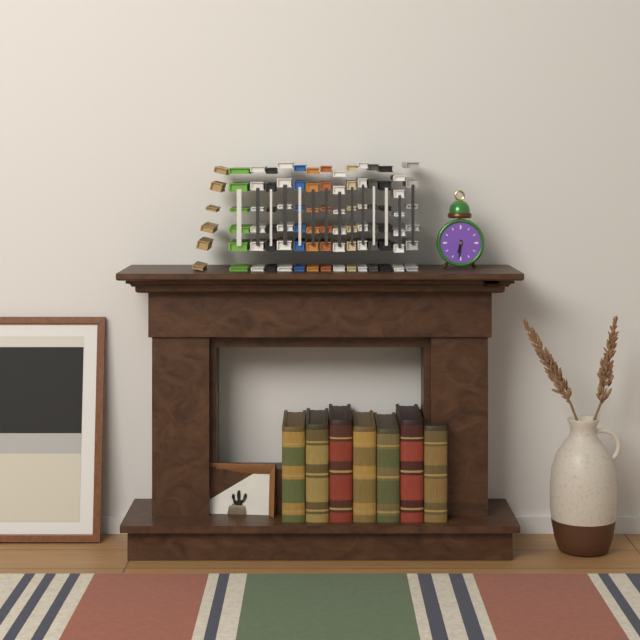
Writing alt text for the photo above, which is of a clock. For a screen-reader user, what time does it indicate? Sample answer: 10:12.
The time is 6:31
